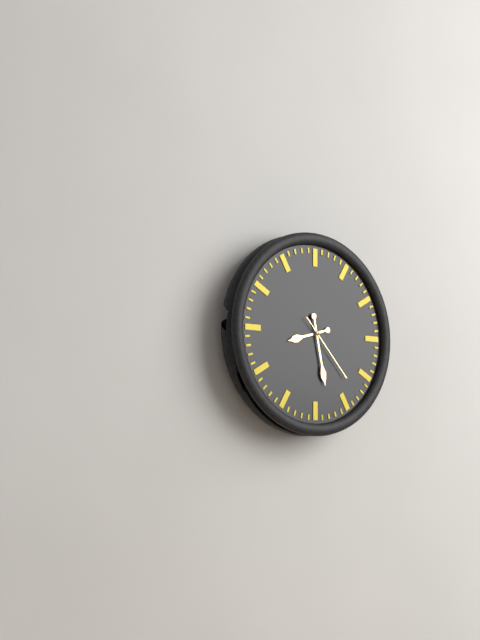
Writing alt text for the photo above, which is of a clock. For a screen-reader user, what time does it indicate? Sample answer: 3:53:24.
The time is 8:28:23
